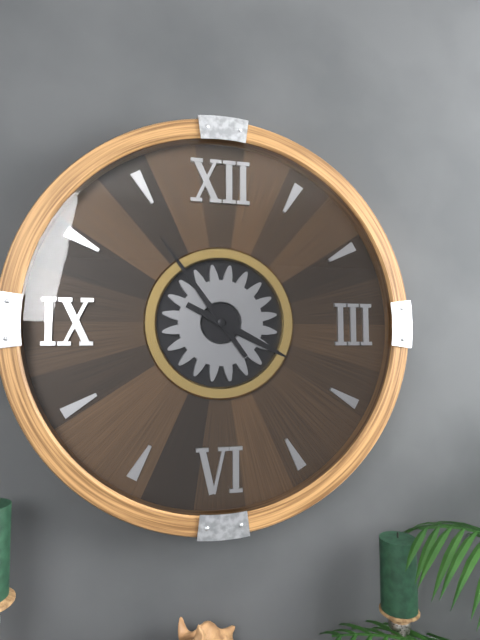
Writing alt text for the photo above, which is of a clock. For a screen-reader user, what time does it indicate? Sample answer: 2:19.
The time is 3:54
